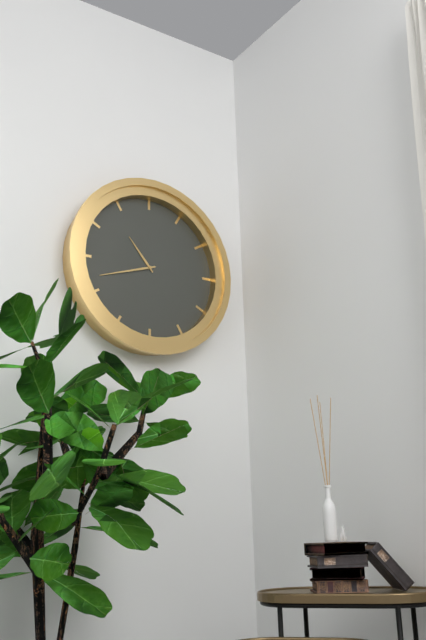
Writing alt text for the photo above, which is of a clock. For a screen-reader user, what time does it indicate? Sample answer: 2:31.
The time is 10:42
